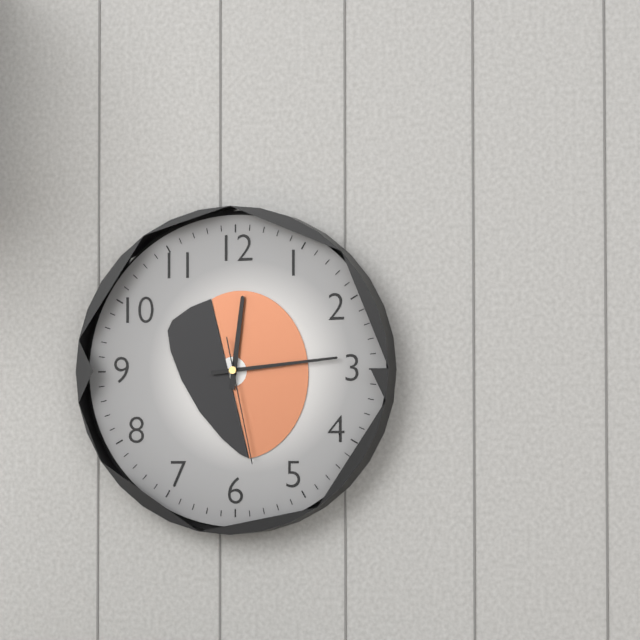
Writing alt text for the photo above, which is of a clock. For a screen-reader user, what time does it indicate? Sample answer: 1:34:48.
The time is 12:14:28
